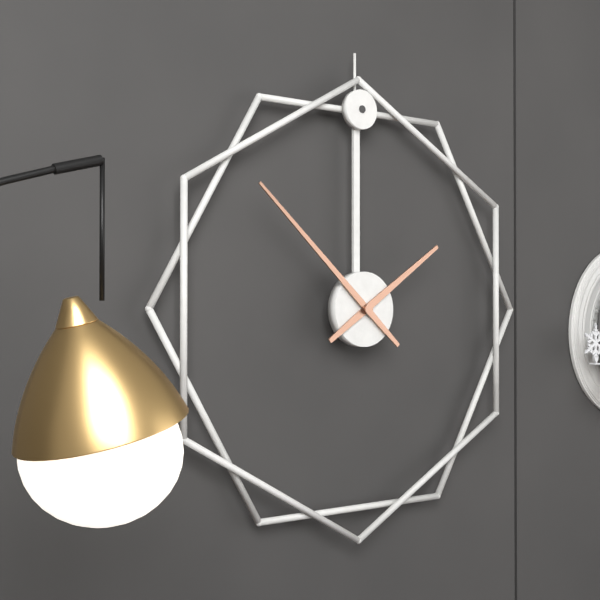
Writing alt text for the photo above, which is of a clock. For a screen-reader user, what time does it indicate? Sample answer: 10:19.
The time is 1:52
